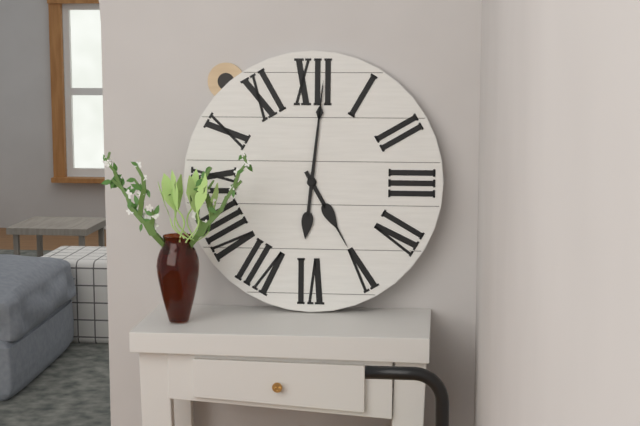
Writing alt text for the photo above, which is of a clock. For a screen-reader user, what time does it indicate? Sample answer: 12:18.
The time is 5:01
